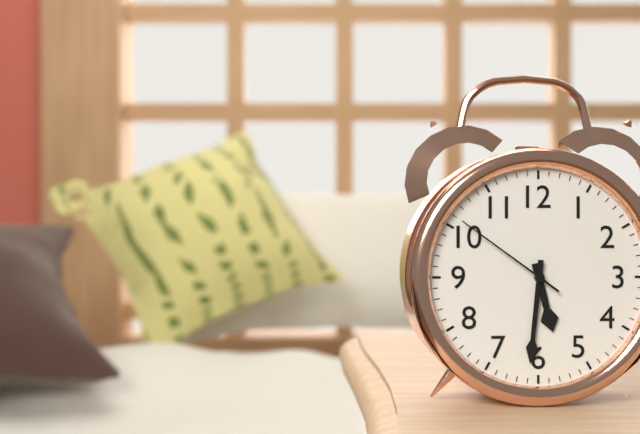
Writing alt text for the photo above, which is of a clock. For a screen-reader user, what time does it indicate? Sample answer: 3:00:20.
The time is 5:31:51
